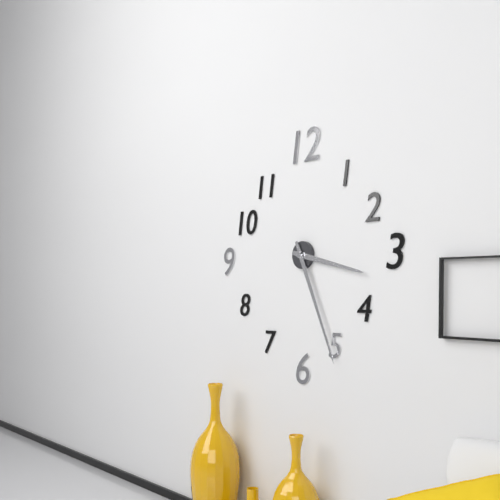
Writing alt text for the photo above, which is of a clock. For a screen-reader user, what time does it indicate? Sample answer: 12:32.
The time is 3:26
